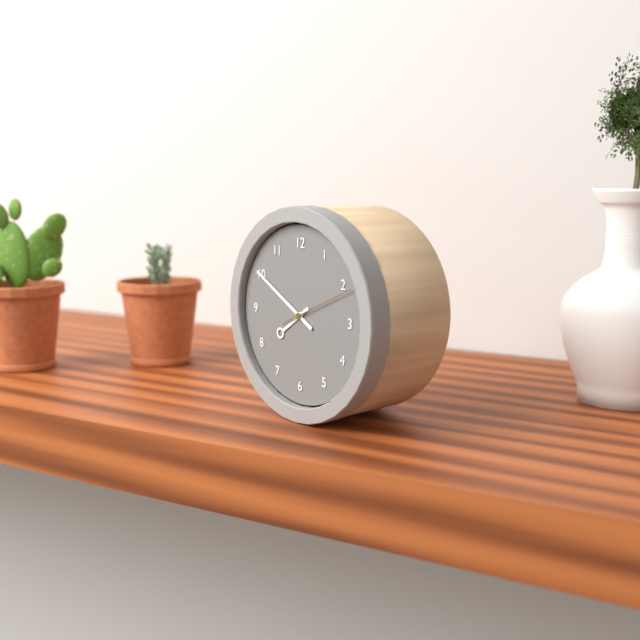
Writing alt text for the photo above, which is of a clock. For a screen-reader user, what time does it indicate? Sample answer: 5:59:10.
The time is 7:50:11
